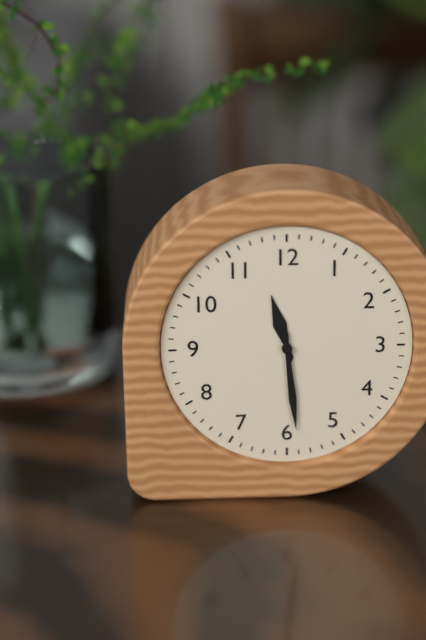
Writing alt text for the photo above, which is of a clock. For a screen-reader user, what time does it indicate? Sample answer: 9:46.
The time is 11:29
